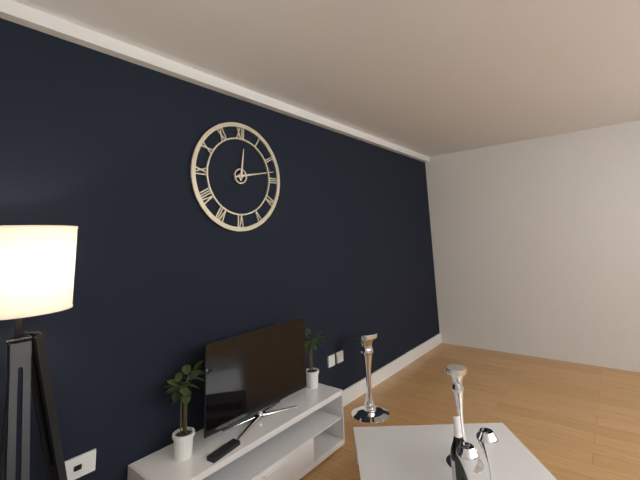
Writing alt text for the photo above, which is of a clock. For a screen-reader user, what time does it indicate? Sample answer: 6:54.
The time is 12:13
